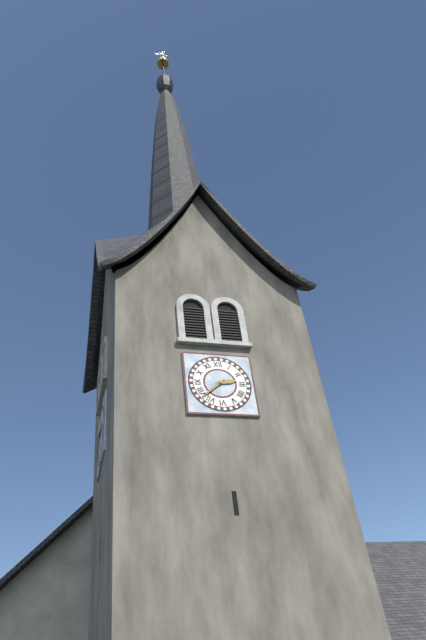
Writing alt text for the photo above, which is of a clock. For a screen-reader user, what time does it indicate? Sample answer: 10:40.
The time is 2:38
